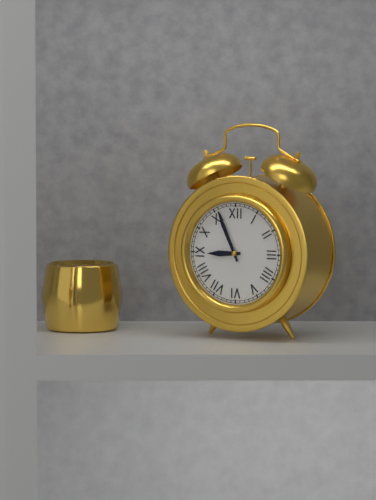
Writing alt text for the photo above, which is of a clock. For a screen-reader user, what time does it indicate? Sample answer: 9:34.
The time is 8:56
